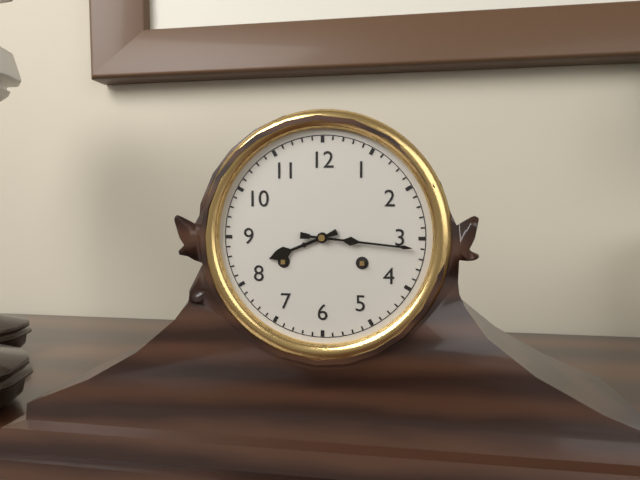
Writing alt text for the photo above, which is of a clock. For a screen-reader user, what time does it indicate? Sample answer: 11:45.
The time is 8:16
